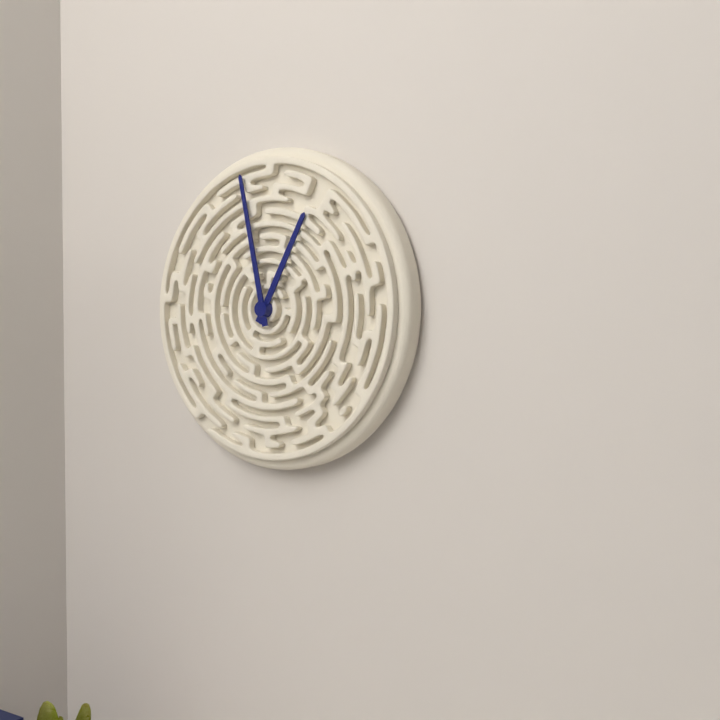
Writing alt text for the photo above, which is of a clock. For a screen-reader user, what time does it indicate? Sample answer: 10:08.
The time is 12:58
